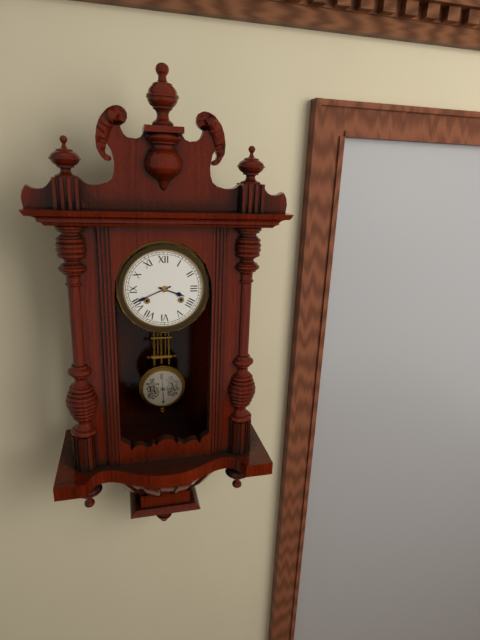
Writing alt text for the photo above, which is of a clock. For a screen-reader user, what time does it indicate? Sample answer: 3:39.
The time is 3:41
